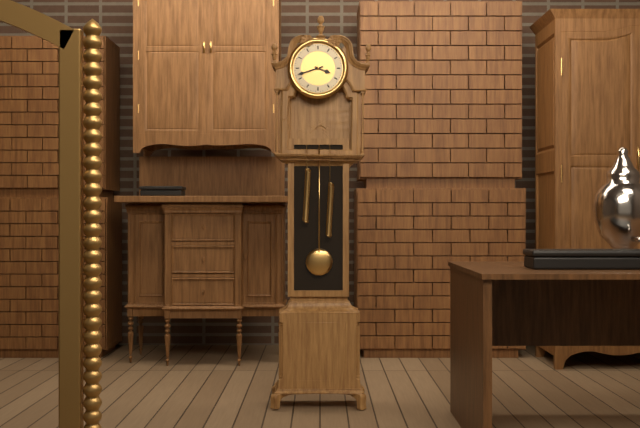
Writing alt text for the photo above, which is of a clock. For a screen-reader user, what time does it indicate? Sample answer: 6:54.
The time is 3:42
